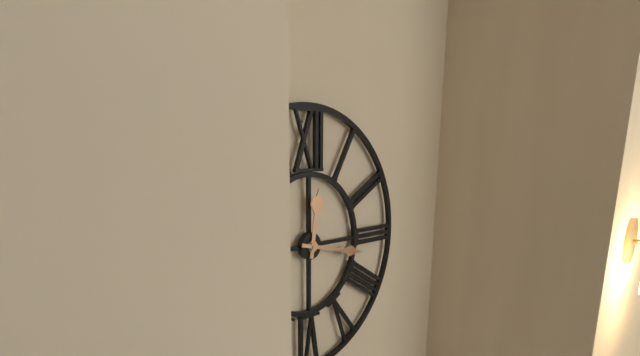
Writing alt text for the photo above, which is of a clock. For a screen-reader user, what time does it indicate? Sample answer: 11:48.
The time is 12:17
